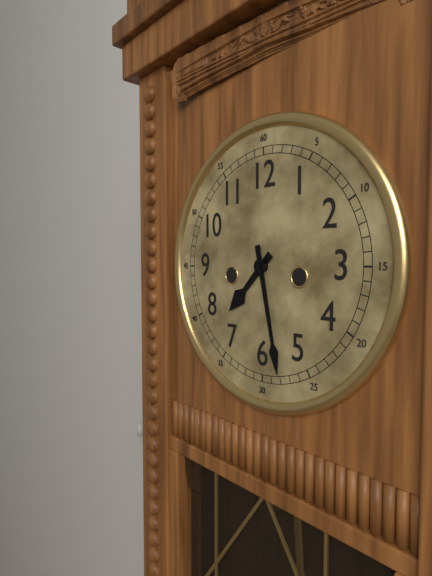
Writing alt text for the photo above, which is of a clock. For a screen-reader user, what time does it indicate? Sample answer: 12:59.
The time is 7:28
